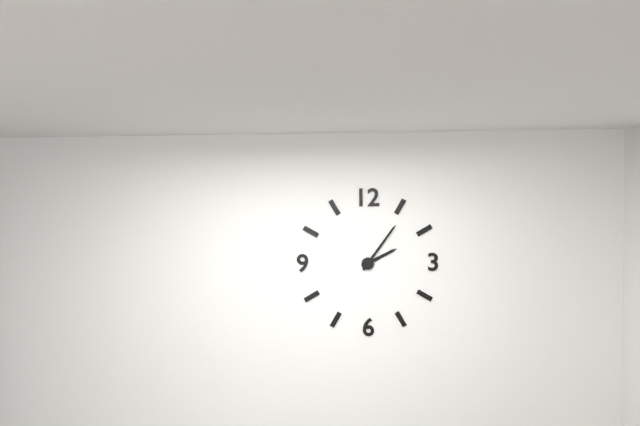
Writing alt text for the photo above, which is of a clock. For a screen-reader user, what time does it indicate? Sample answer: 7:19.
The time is 2:06
